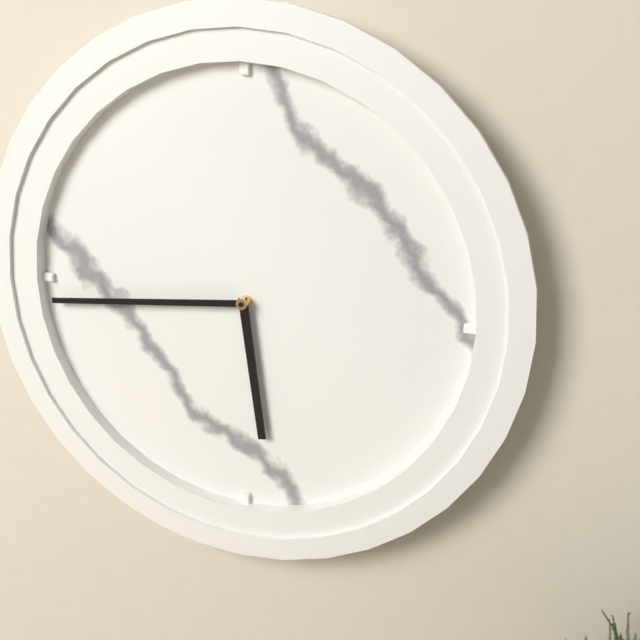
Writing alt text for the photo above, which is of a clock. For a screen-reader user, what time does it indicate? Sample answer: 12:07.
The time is 5:44
